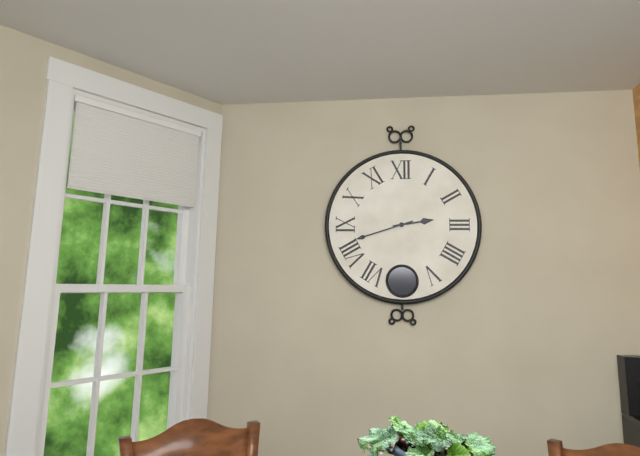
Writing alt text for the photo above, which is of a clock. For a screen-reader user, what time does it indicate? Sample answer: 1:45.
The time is 2:42
